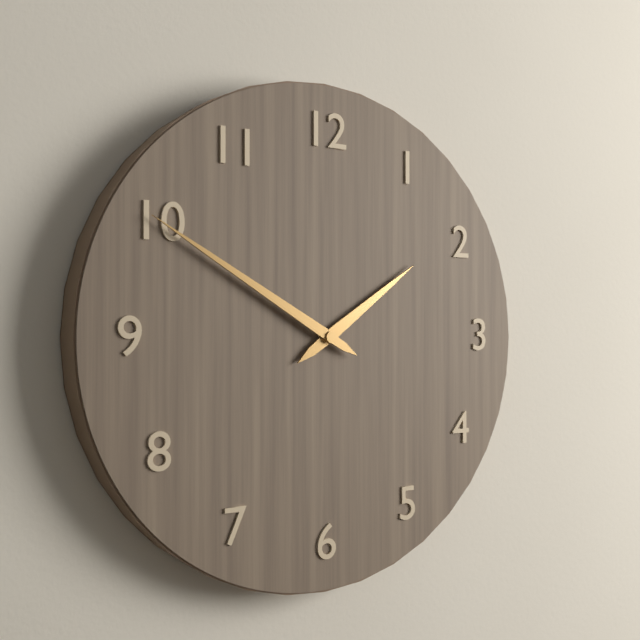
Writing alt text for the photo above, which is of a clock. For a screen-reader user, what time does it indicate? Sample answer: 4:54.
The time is 1:50
